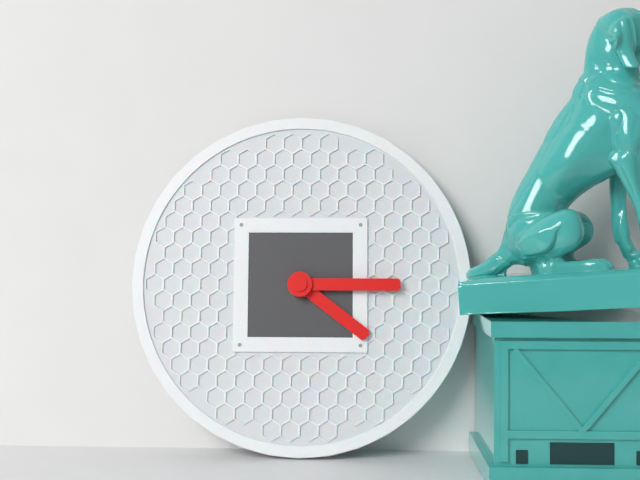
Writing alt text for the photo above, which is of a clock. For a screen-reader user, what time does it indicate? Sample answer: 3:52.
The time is 4:15
